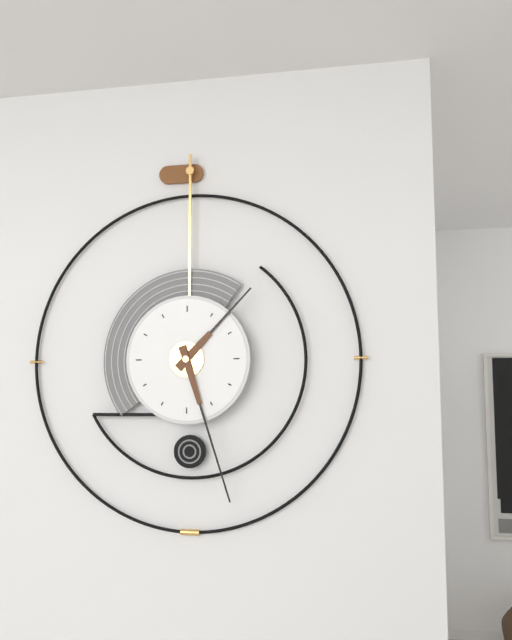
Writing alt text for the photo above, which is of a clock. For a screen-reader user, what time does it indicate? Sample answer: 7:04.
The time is 1:27
